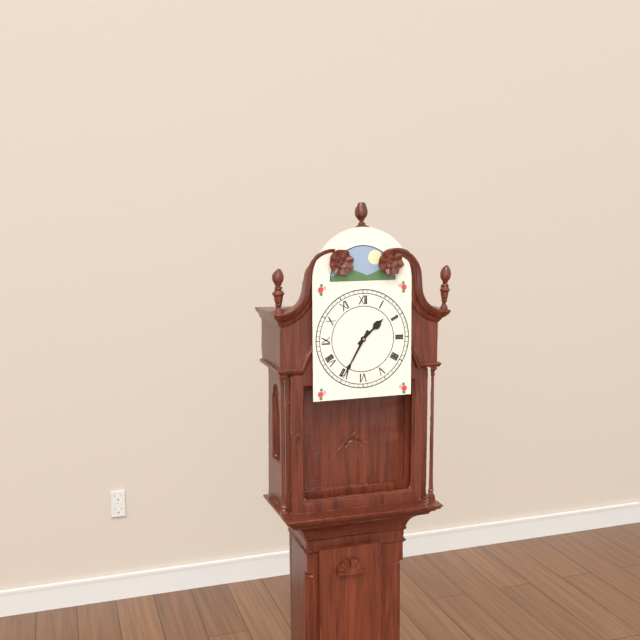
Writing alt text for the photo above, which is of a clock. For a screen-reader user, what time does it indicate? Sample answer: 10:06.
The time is 1:35
